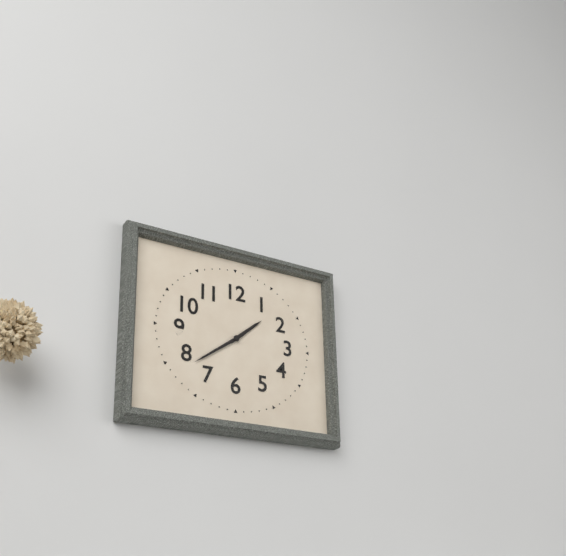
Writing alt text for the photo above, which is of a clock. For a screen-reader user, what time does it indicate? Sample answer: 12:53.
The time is 1:39
